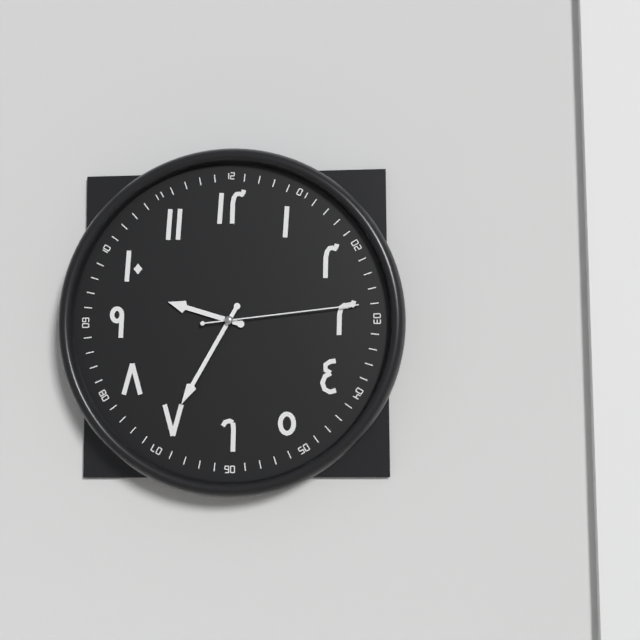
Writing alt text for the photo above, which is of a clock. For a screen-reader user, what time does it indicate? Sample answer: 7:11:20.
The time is 9:35:14
